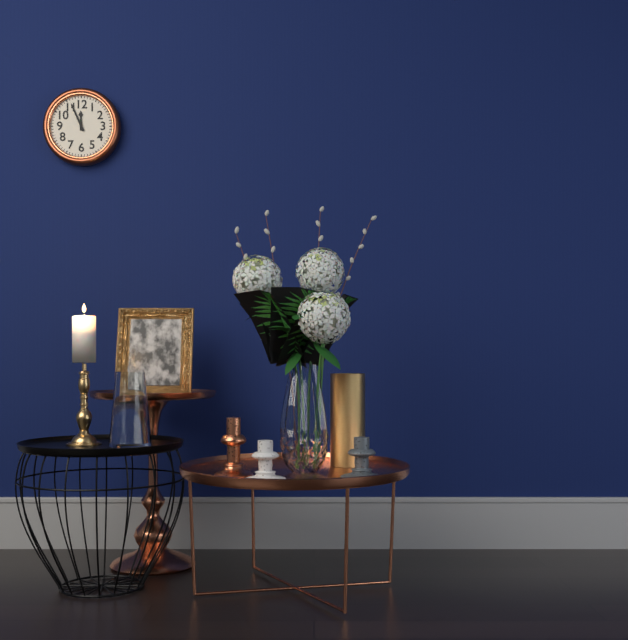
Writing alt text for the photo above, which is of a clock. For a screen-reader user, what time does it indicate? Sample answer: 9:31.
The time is 11:56
